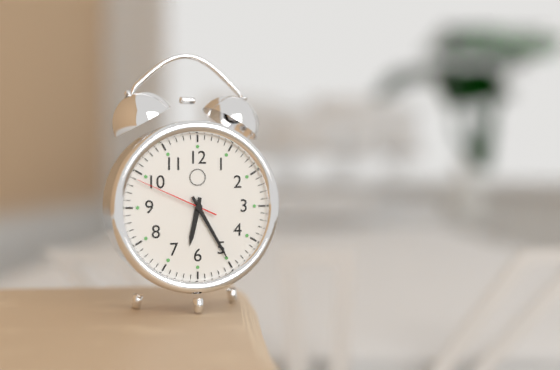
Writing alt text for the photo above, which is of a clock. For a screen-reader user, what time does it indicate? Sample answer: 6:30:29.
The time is 6:25:49
